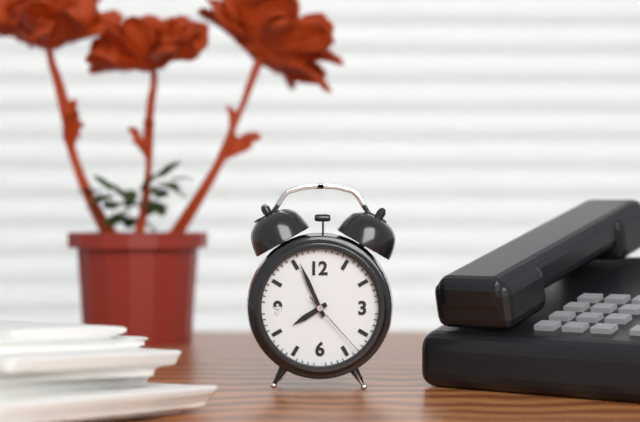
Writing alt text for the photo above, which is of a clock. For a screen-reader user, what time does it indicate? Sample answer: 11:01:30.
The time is 7:56:23
